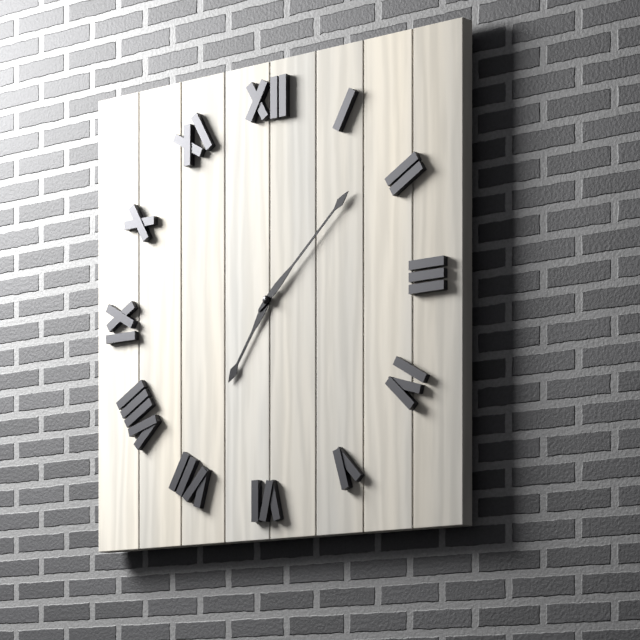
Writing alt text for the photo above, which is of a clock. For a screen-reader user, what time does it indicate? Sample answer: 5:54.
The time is 7:08
